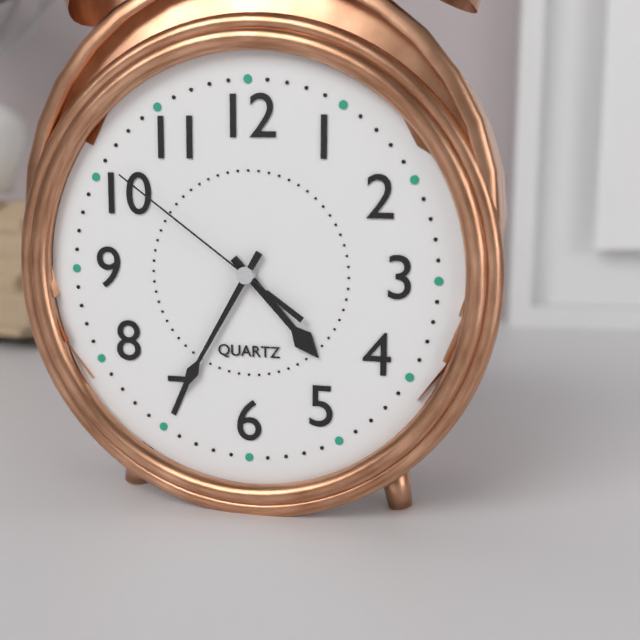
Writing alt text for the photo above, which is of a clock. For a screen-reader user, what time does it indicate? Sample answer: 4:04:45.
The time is 4:35:51
